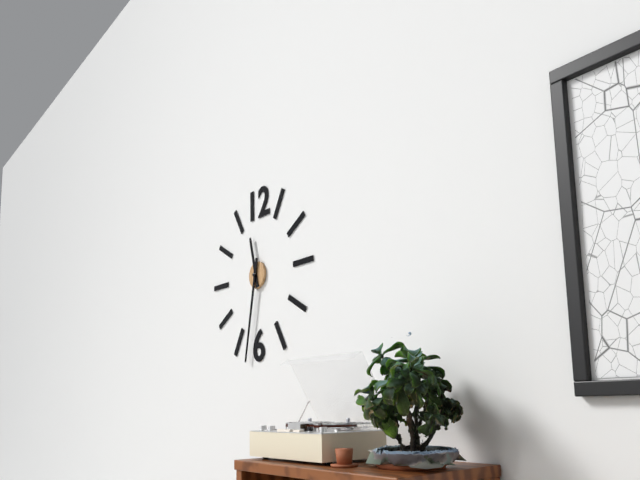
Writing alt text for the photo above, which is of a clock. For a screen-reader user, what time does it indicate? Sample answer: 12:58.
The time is 11:32
